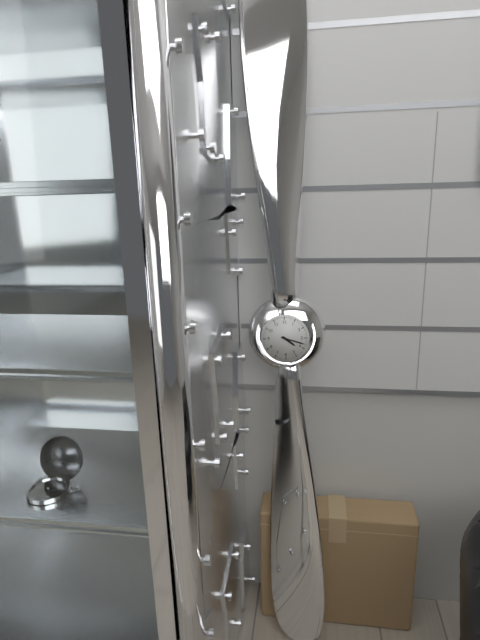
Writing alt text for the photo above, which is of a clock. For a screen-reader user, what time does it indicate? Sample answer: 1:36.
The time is 4:18
